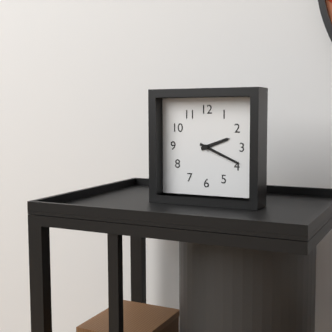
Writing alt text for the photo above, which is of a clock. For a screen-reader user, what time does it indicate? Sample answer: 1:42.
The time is 2:19
